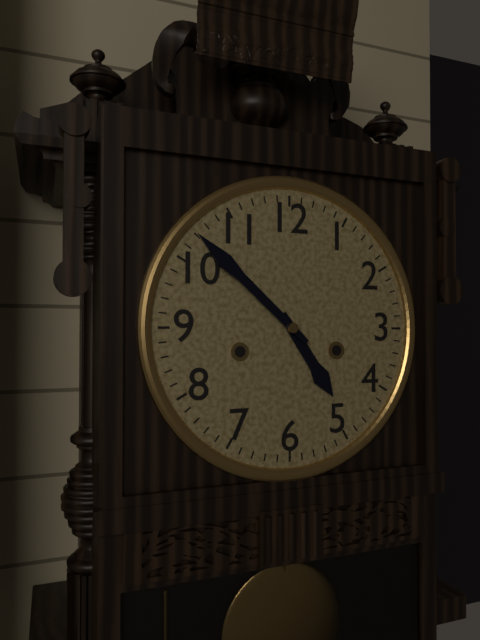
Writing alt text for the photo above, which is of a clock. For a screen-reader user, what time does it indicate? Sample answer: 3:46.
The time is 4:52
